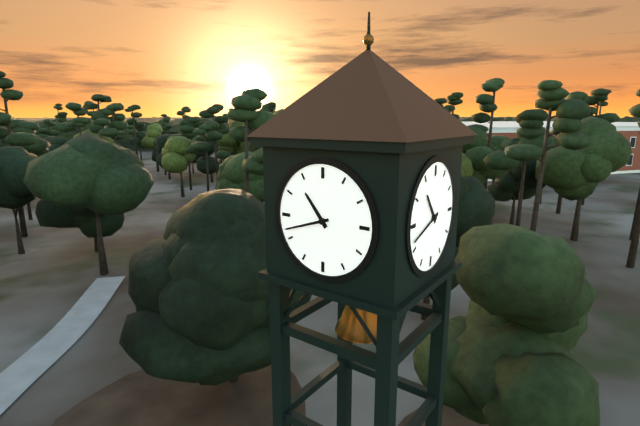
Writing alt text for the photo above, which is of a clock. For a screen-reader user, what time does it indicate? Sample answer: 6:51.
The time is 10:42
